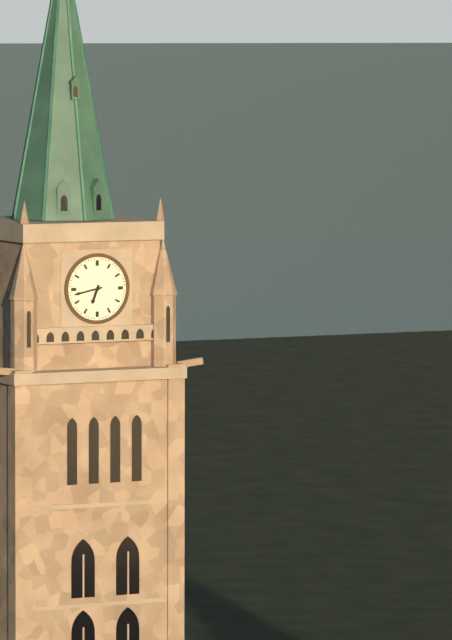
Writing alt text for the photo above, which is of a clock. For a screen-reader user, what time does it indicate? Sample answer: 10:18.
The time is 6:43
